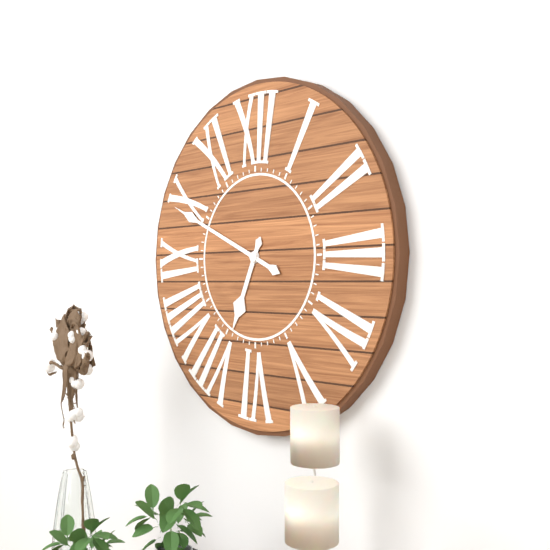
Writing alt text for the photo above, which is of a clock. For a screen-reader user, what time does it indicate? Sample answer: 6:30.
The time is 6:49
